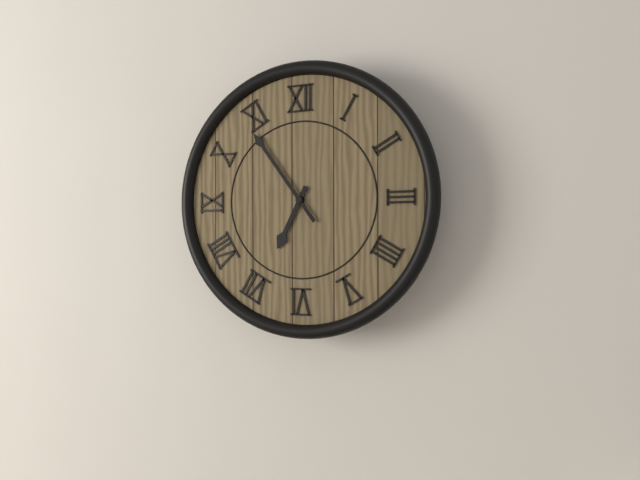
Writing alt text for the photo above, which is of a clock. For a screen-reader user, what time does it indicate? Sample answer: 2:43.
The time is 6:54
